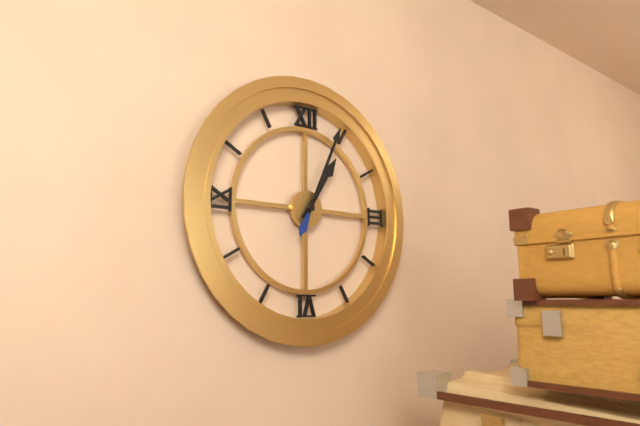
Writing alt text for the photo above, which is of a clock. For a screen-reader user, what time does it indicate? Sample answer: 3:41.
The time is 1:04
